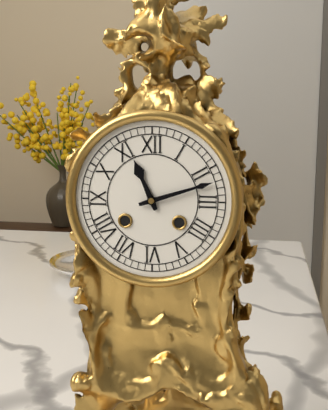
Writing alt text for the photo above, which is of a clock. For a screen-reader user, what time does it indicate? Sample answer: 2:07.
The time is 11:12
